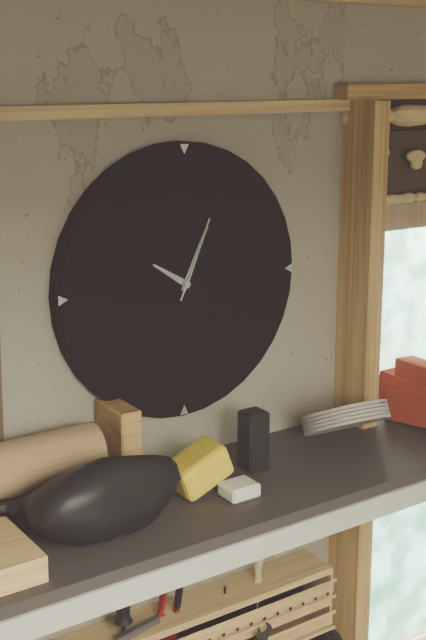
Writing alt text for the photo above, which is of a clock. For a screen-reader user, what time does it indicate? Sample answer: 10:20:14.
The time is 10:04:04
